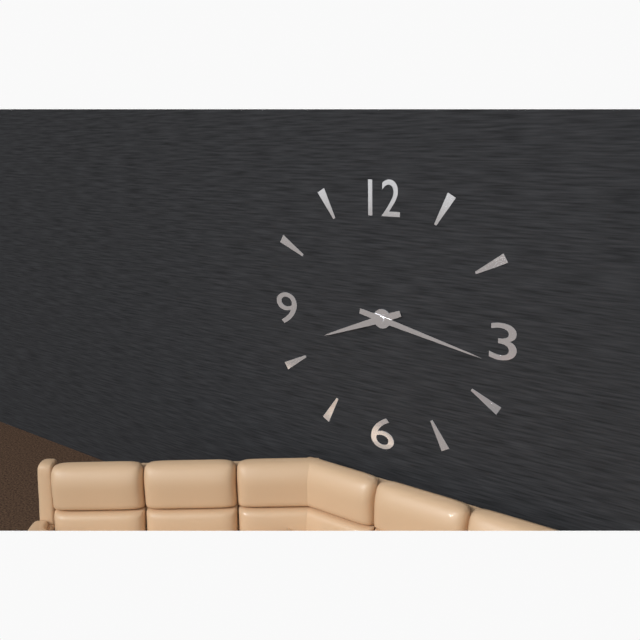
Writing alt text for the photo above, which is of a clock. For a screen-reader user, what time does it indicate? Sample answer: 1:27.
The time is 8:17
